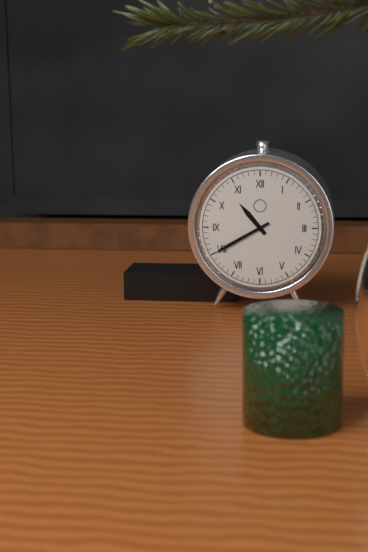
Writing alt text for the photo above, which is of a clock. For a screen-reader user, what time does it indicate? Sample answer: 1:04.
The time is 10:40
